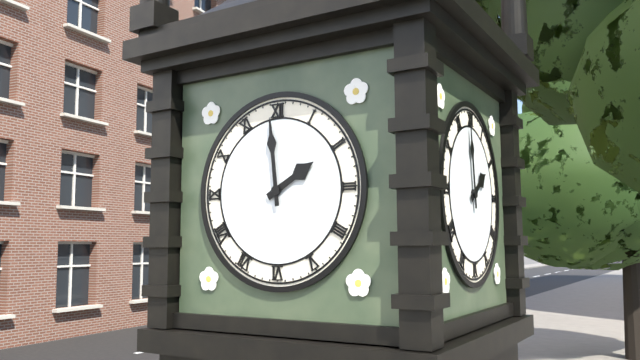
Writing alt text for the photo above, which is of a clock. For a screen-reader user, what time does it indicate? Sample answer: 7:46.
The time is 1:59
